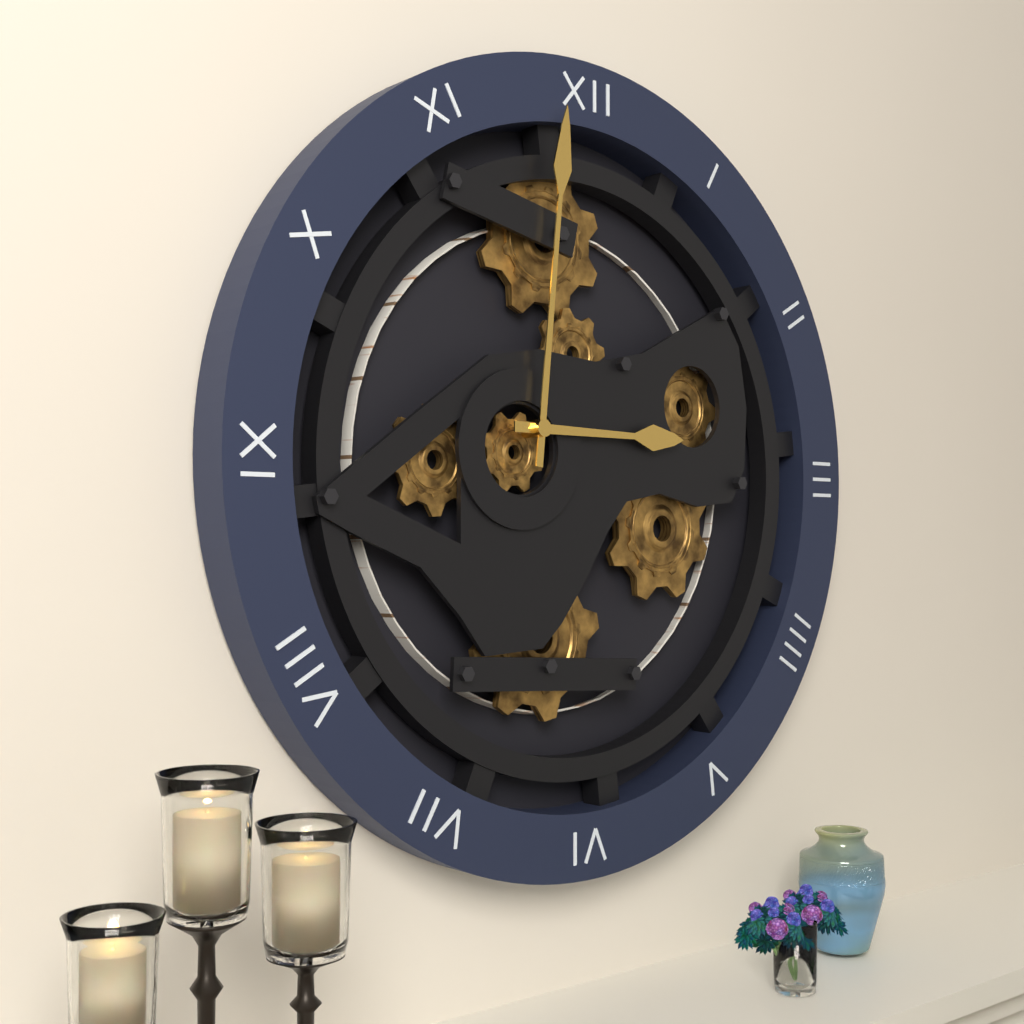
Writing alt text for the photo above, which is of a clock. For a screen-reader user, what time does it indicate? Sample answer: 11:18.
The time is 3:01
